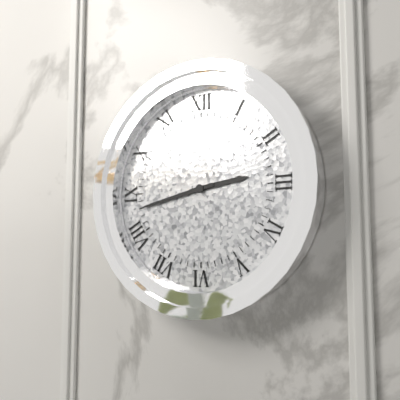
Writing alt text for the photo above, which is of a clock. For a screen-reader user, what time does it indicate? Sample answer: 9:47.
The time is 2:43
